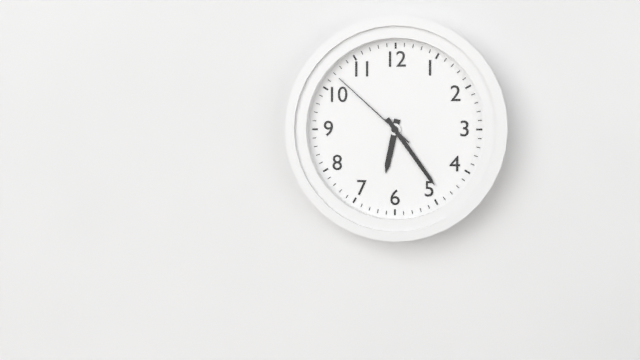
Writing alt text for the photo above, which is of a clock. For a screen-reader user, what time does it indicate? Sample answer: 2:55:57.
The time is 6:24:52
